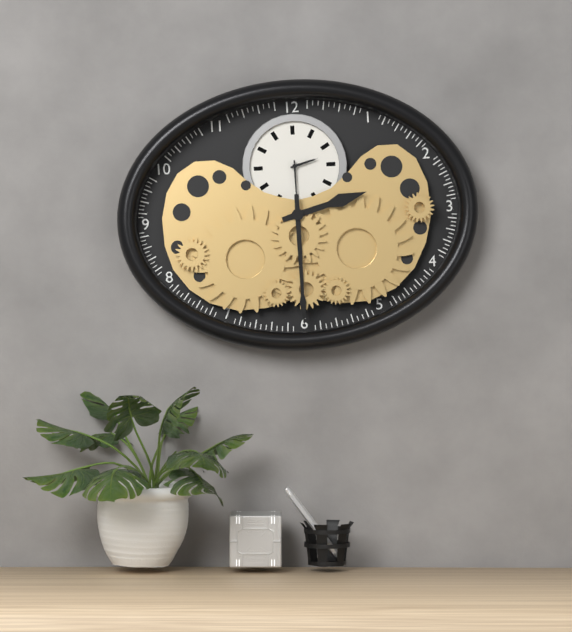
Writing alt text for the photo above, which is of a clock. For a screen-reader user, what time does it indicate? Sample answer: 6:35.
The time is 2:30
